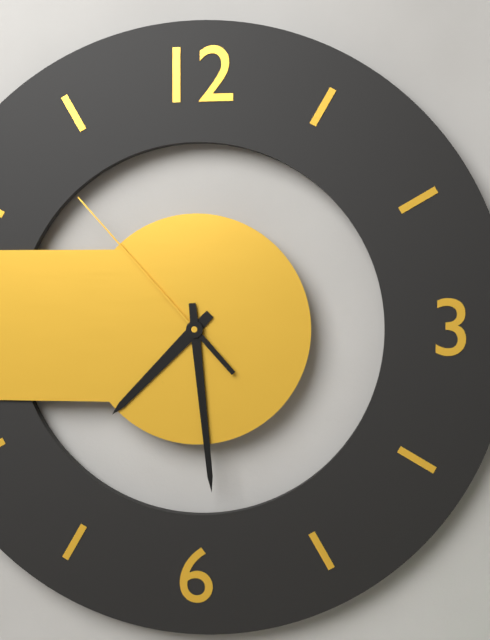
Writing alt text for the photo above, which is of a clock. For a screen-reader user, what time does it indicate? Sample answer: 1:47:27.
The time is 7:29:53
